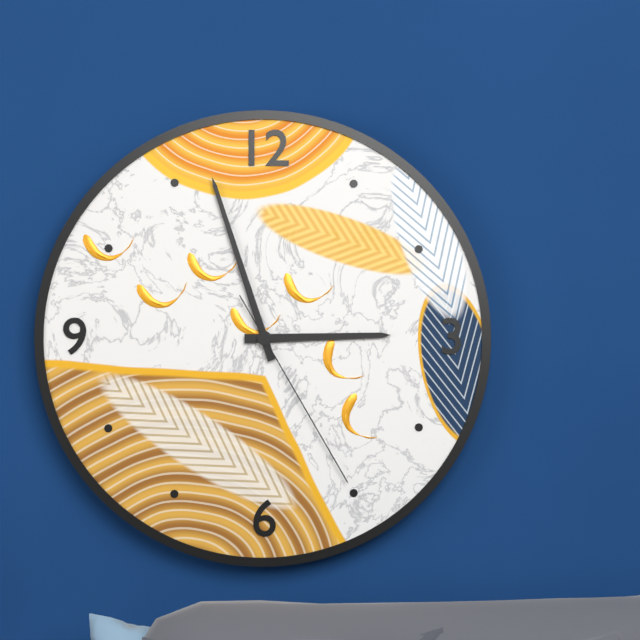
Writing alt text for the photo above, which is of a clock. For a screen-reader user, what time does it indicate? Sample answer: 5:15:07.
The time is 2:57:25
